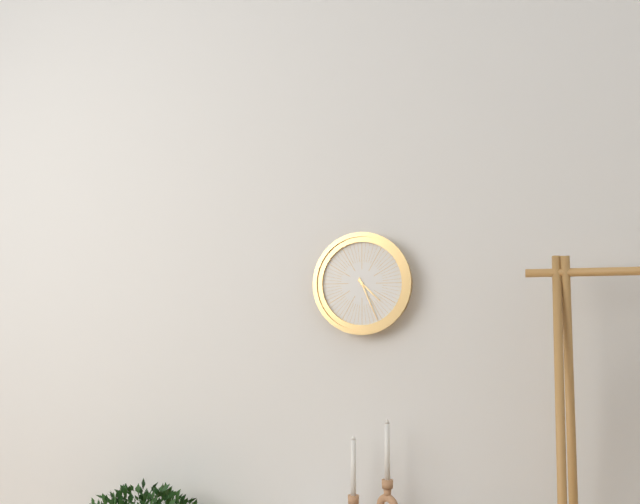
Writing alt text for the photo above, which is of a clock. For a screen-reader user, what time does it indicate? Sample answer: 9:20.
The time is 4:26
